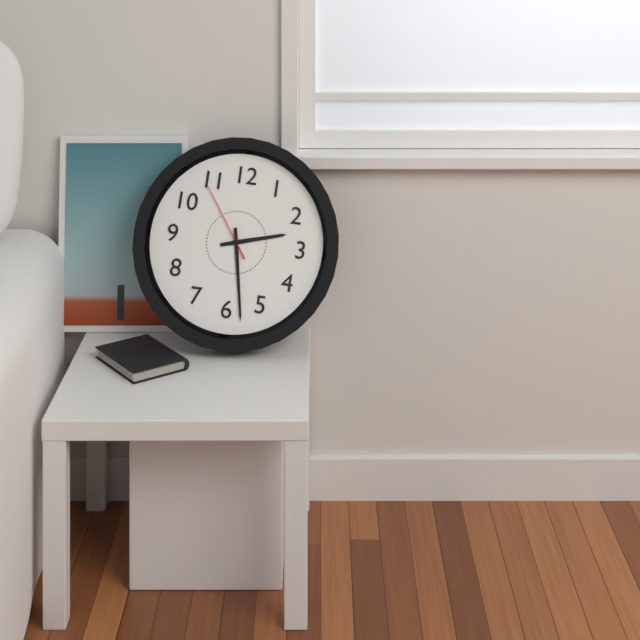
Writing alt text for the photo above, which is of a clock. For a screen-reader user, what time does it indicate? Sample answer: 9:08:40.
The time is 2:28:54
